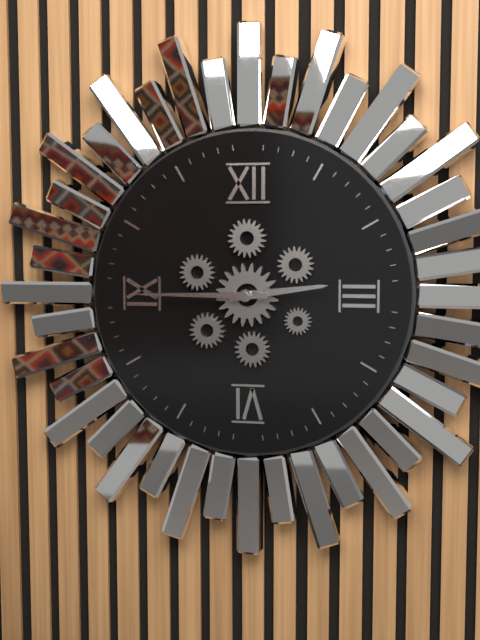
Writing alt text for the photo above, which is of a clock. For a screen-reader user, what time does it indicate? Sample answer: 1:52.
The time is 2:45
